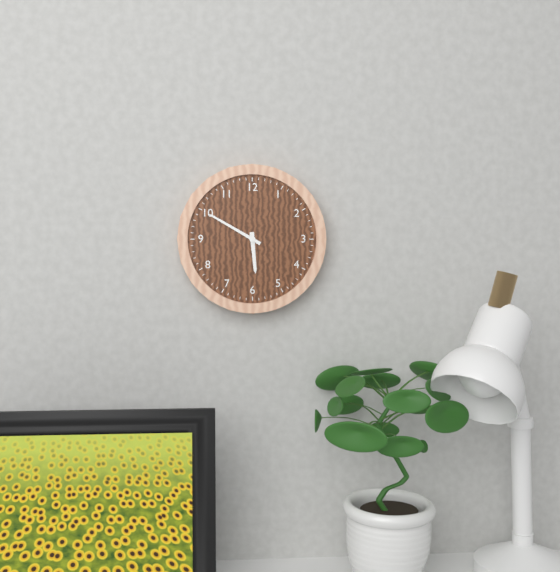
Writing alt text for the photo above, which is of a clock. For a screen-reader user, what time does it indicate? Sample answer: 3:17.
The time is 5:50
